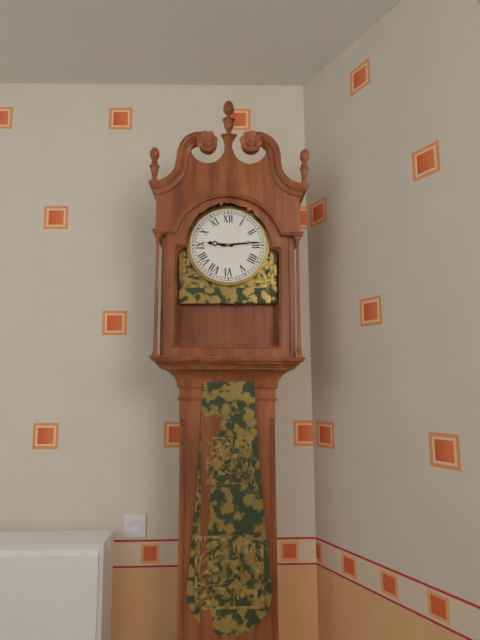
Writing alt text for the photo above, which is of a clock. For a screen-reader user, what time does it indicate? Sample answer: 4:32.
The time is 9:14
